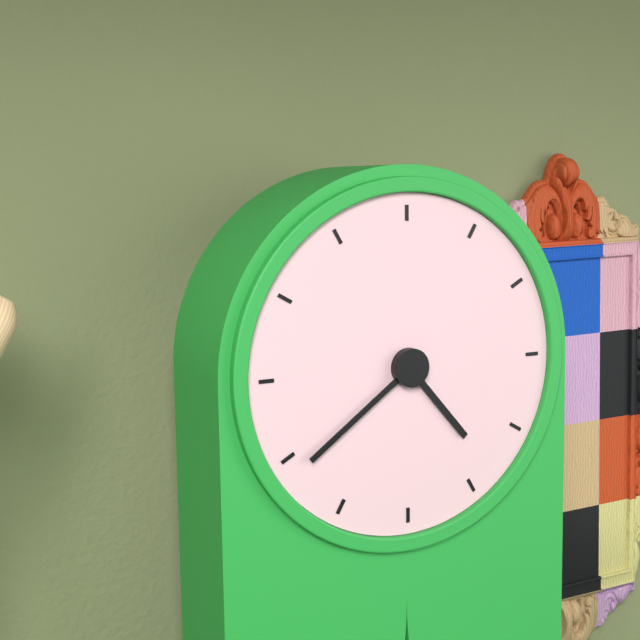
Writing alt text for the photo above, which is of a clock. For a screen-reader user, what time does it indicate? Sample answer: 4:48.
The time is 4:39
